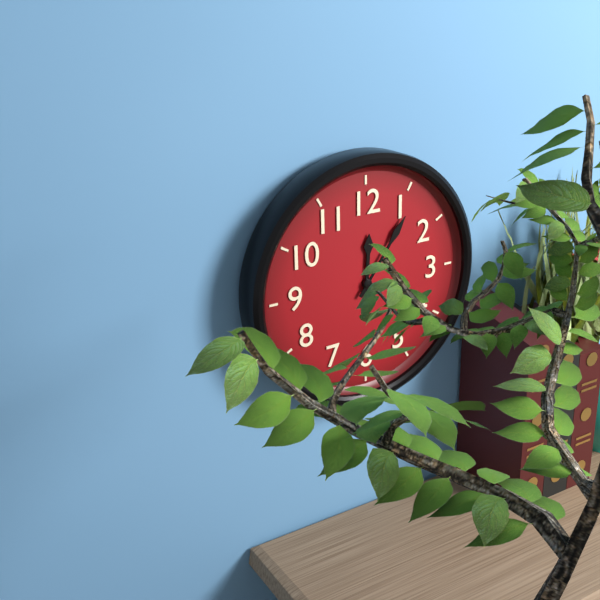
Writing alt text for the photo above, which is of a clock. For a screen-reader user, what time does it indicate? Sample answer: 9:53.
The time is 12:06
